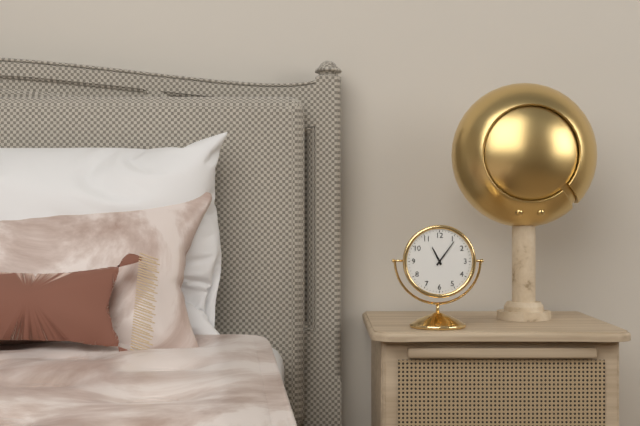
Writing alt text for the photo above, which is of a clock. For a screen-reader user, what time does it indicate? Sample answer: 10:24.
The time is 11:06
